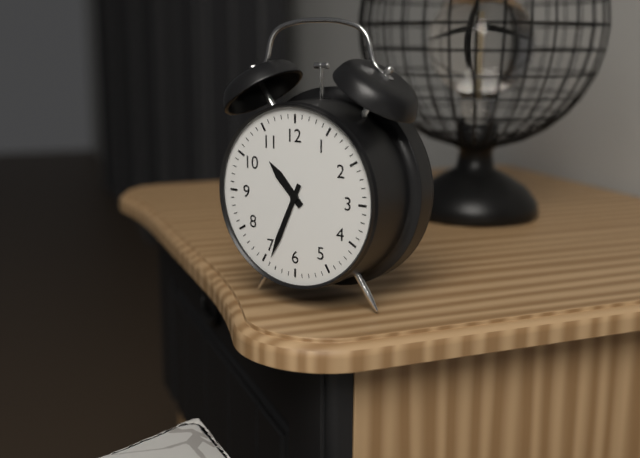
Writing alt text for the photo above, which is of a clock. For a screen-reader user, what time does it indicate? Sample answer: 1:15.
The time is 10:34
